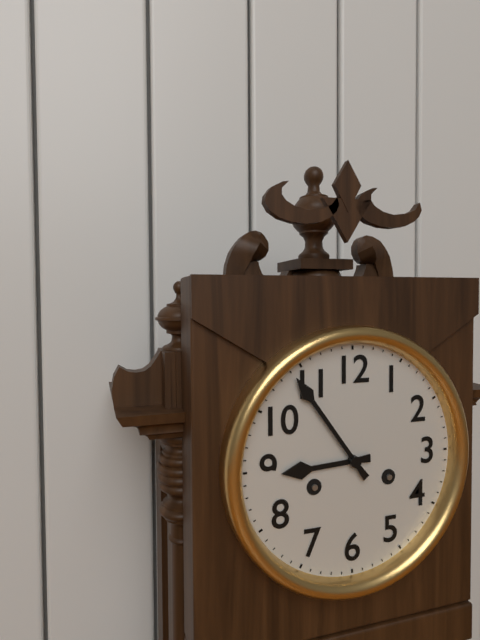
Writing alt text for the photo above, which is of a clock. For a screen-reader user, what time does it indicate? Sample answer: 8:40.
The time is 8:54
